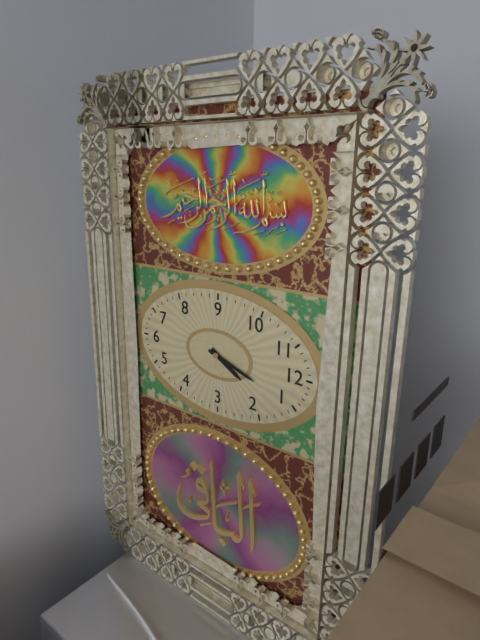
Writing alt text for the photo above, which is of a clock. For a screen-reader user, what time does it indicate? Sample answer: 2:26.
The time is 1:03
